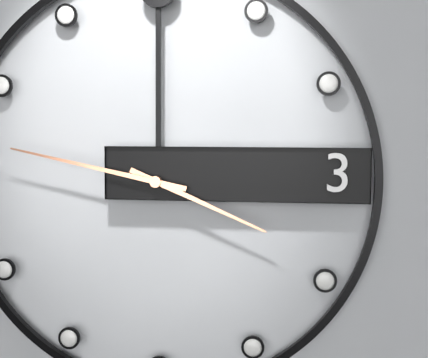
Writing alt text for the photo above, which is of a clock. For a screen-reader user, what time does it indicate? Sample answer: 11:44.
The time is 3:47
